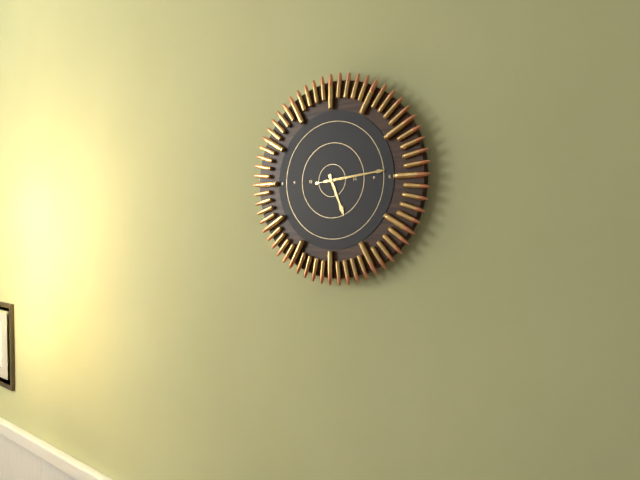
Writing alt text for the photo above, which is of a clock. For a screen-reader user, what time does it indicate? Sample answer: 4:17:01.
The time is 5:14:14
